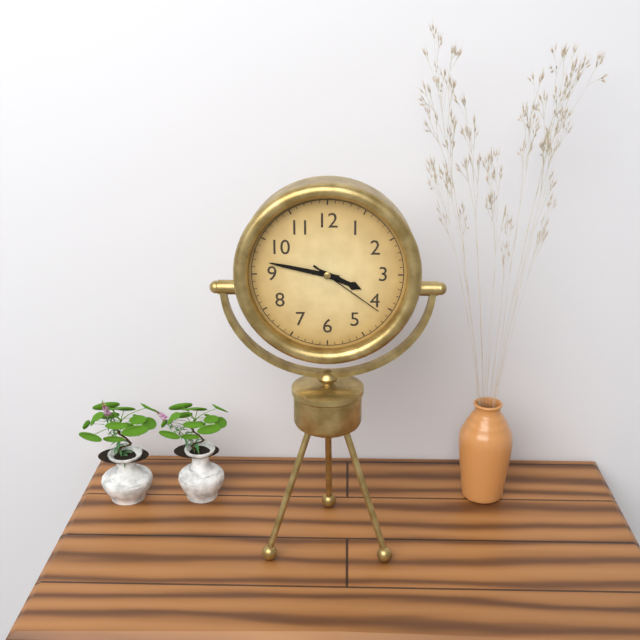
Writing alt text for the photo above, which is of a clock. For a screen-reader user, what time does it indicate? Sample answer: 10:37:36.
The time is 3:47:21
